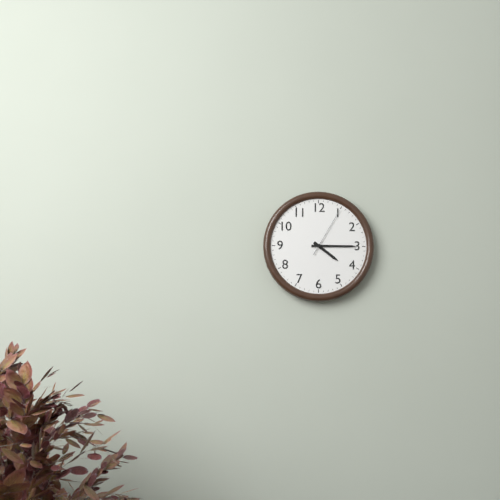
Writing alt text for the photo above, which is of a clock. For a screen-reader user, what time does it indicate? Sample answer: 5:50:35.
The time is 4:15:05
